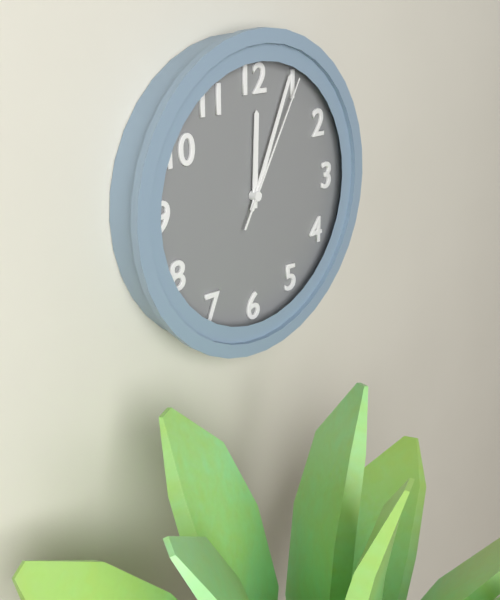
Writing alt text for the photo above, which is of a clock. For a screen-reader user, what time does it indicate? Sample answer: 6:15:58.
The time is 12:04:05
